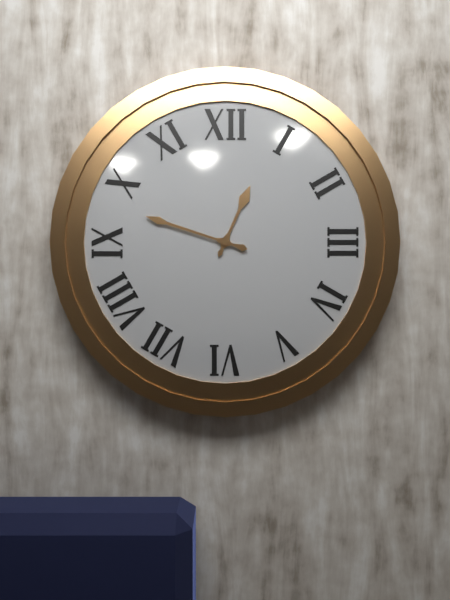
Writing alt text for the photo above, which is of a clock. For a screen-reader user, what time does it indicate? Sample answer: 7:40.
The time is 12:48
